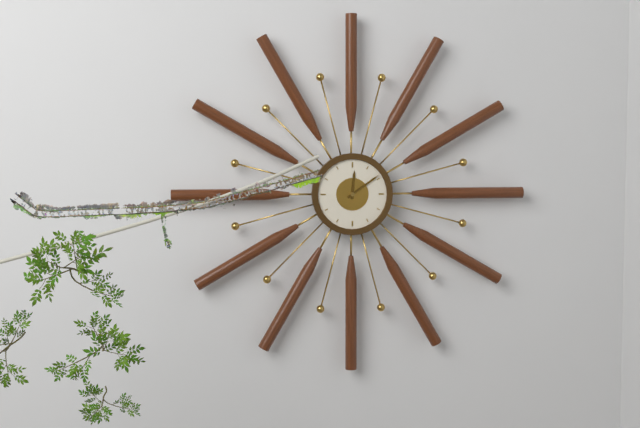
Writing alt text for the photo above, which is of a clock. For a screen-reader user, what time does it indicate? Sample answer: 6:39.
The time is 12:09
